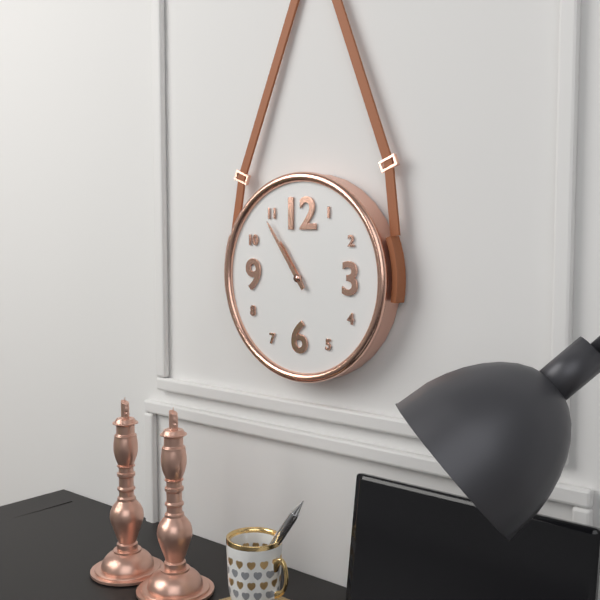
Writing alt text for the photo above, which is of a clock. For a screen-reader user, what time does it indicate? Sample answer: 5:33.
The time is 10:54
